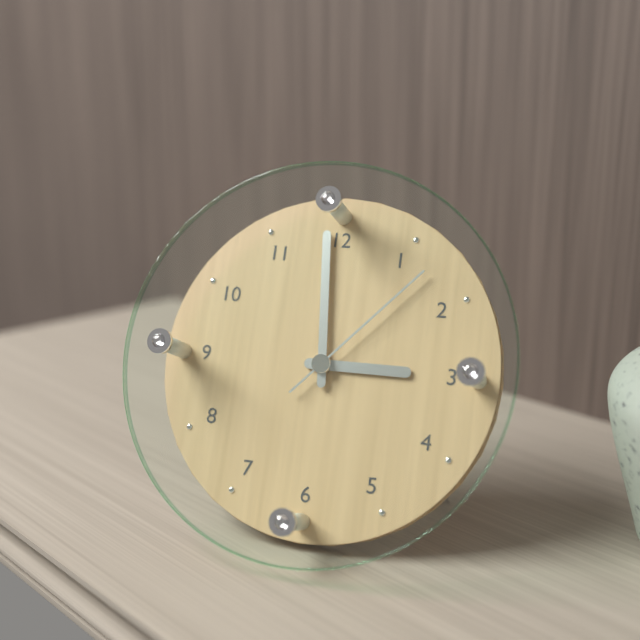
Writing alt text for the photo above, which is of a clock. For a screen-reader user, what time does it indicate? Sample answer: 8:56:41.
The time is 2:59:07
